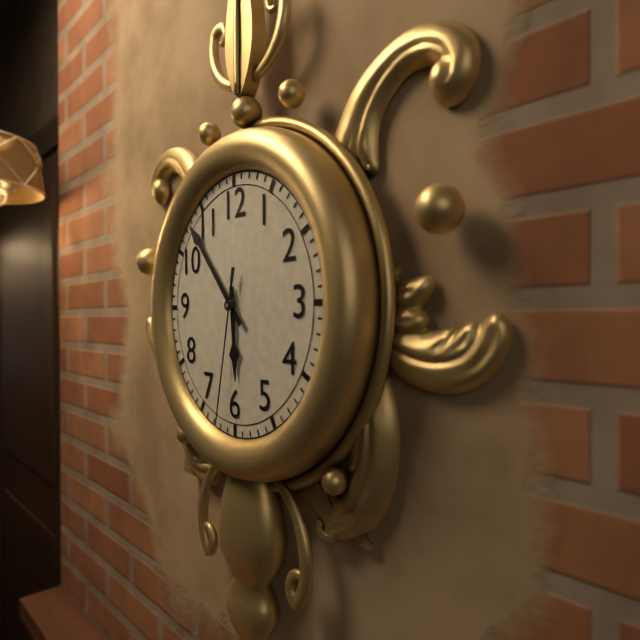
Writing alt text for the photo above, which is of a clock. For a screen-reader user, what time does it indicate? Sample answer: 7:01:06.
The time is 5:53:32
